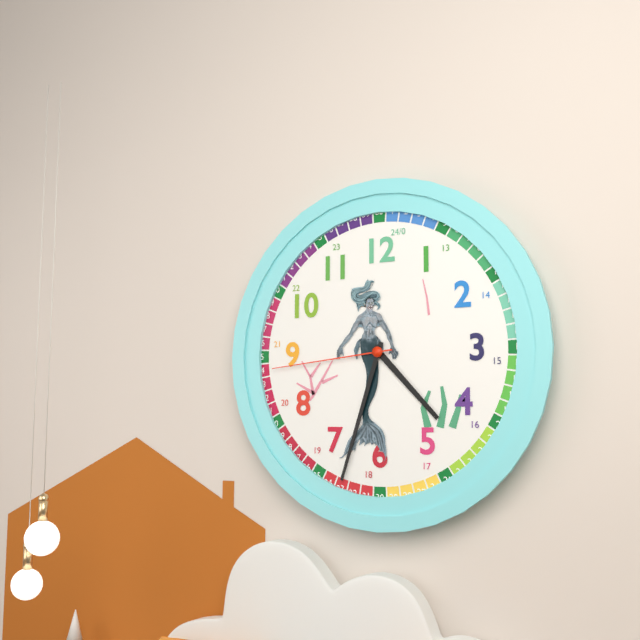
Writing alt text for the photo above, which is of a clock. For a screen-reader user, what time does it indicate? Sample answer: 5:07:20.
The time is 4:33:44
